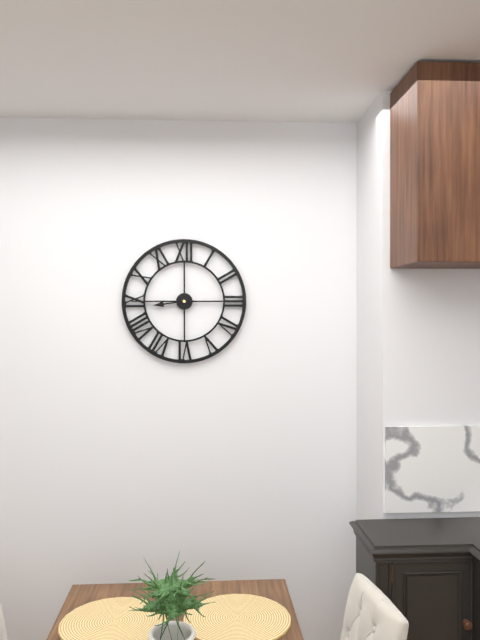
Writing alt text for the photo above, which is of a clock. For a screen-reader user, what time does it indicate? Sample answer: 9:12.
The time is 8:45
